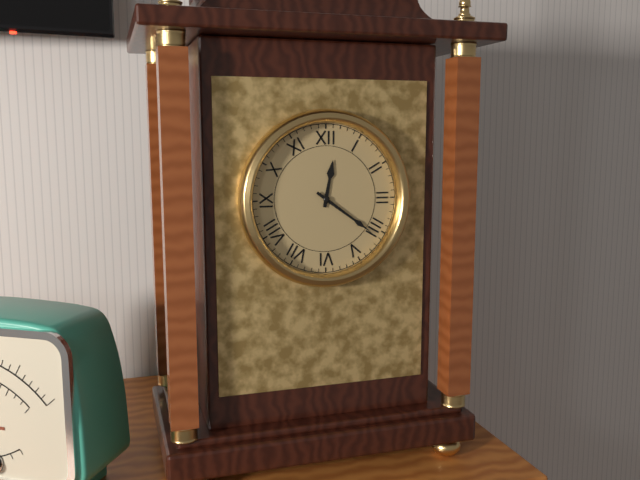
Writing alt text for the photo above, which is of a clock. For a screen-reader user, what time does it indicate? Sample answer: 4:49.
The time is 12:21
